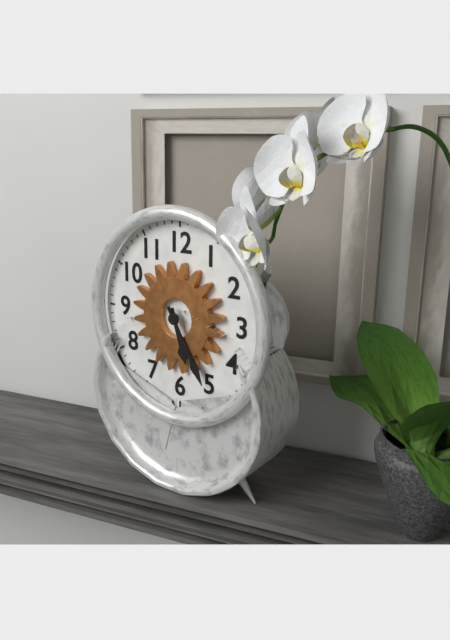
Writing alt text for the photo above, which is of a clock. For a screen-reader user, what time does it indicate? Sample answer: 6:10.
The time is 5:25
